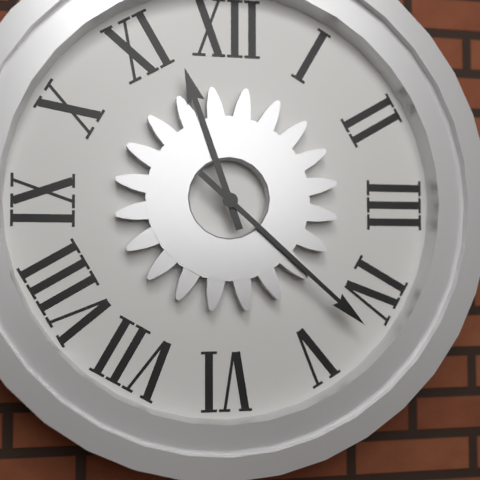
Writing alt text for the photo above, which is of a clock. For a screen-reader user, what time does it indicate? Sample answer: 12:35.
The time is 11:22
